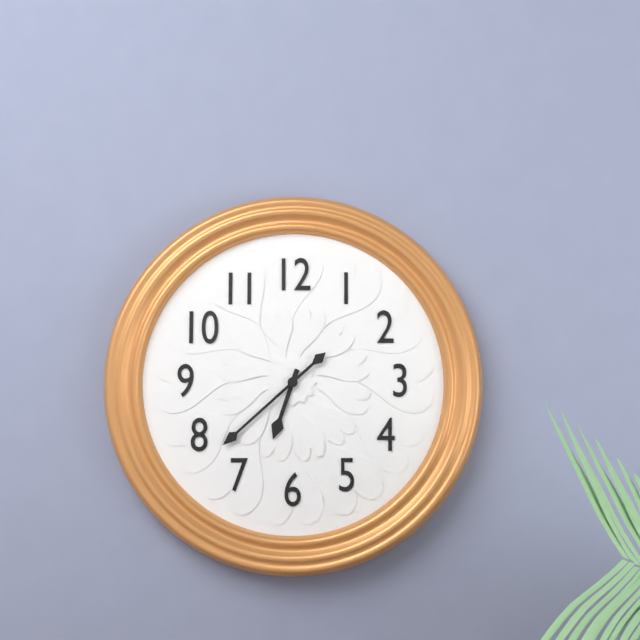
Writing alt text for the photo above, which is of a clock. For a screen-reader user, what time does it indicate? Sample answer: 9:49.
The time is 6:38
